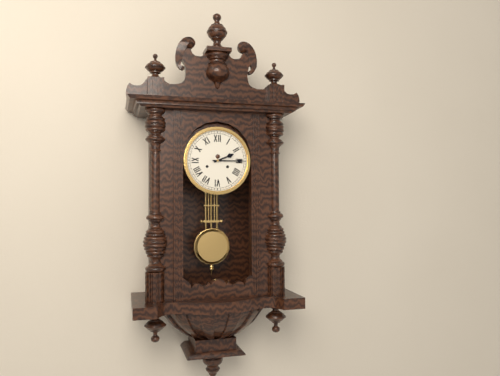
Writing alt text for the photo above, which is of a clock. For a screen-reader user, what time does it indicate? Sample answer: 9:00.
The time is 2:15
